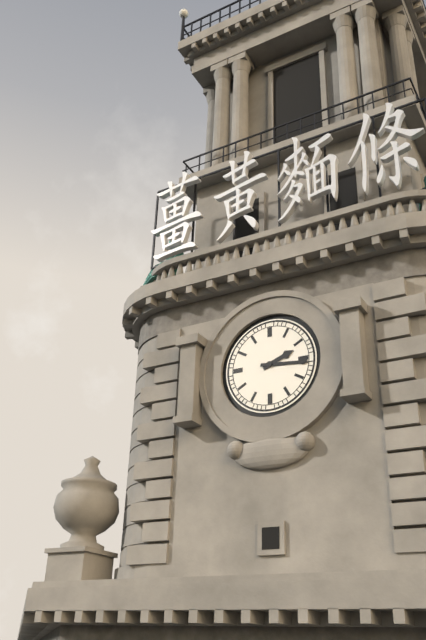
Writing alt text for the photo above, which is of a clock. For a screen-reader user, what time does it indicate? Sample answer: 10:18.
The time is 2:16
